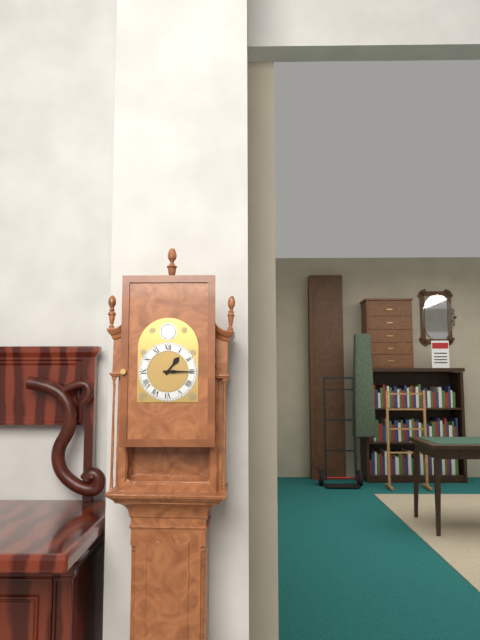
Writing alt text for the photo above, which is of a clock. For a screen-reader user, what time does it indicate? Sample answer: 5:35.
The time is 1:15
